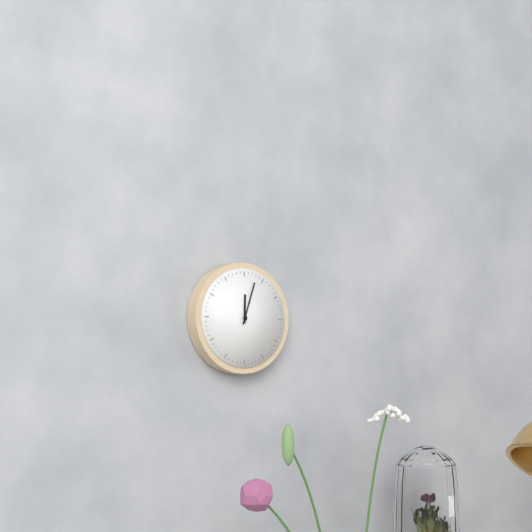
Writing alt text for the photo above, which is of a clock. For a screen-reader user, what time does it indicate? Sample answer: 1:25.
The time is 12:03
